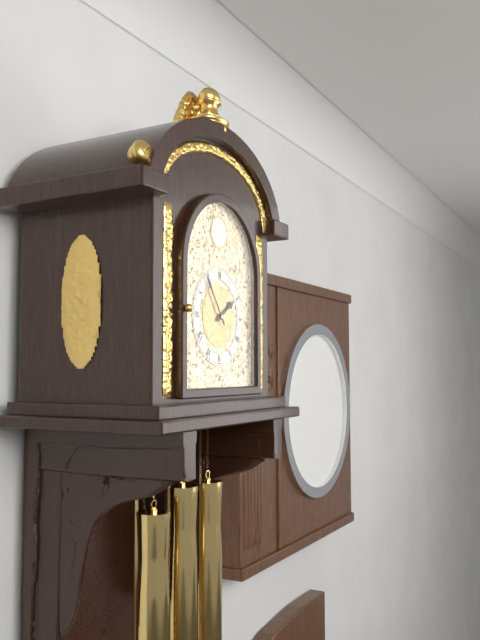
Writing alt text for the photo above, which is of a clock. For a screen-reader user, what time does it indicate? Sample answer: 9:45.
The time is 1:54
